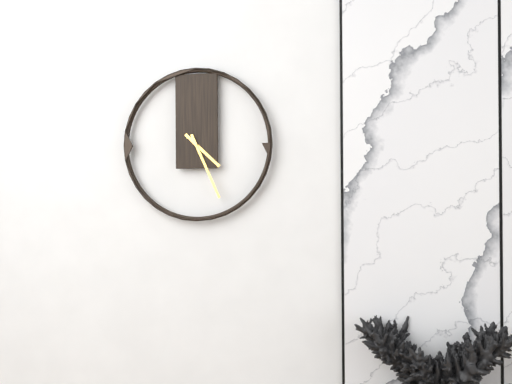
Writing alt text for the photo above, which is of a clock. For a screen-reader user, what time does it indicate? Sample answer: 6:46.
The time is 4:26
